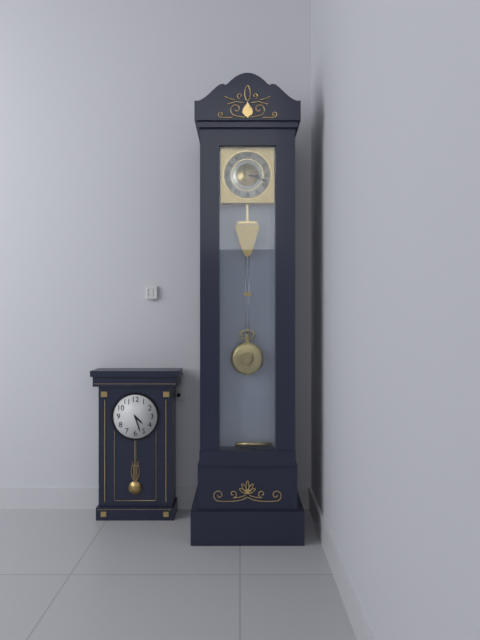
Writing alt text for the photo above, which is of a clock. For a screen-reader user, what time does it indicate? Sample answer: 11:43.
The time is 3:18
